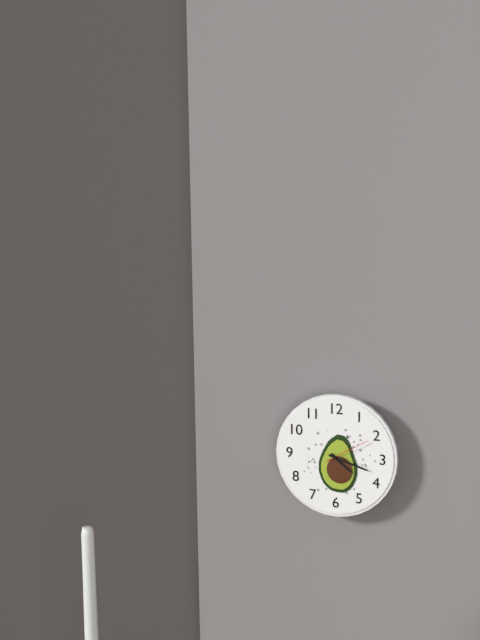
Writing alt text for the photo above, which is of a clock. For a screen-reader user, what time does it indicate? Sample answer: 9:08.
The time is 4:18
